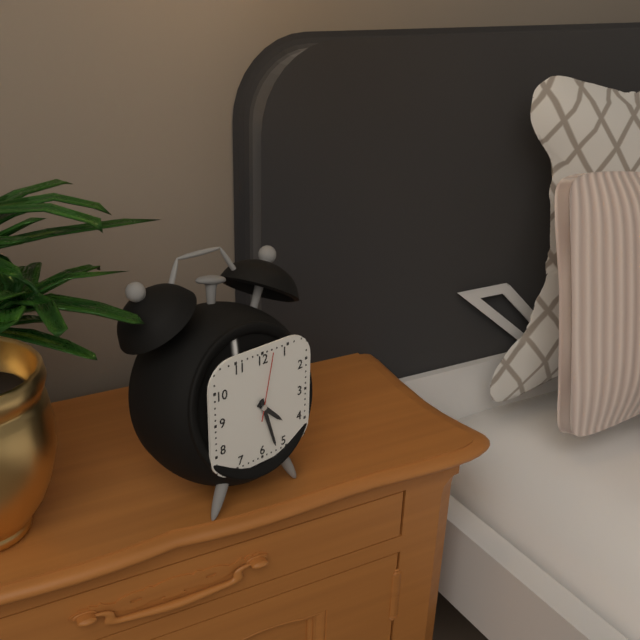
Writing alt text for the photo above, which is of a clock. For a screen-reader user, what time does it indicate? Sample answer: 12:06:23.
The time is 4:27:02
